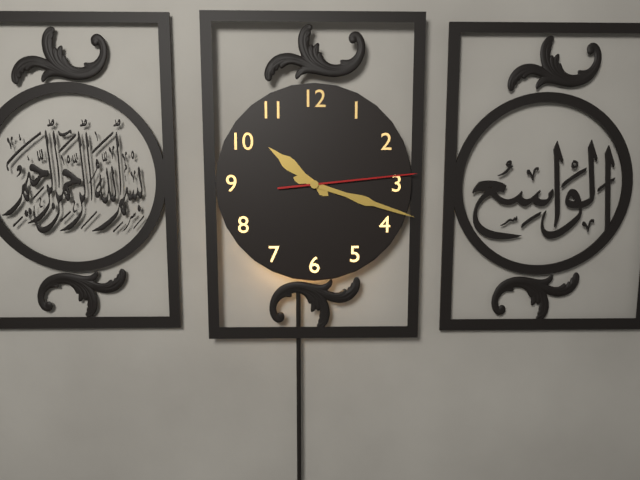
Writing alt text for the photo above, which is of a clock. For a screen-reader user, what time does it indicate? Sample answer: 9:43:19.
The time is 10:18:14
